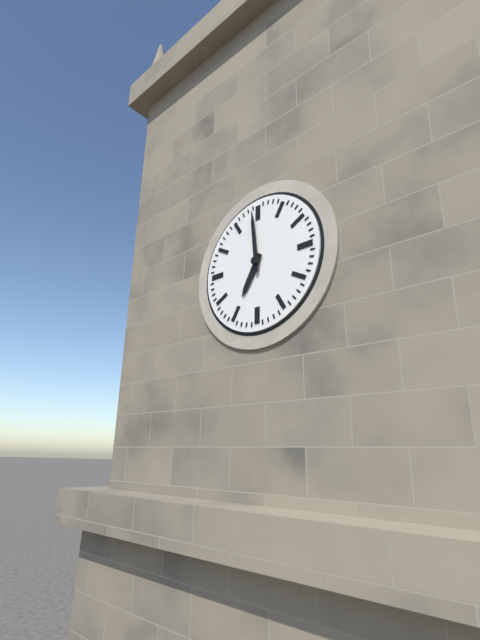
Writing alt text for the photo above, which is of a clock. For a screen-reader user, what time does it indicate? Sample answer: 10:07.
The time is 6:59
